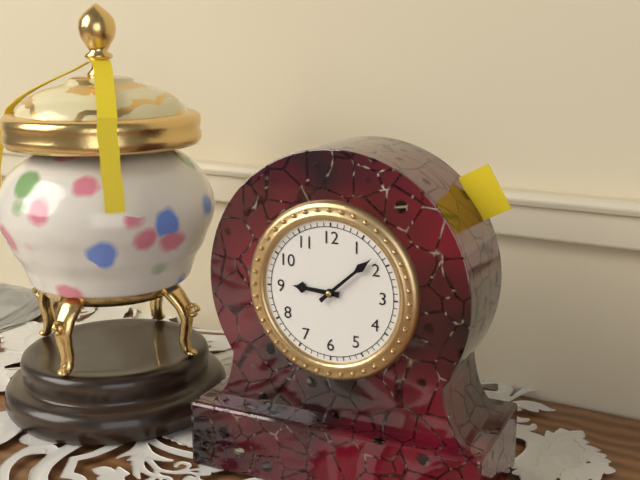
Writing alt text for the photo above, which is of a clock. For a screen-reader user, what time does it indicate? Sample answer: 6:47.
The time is 9:08
